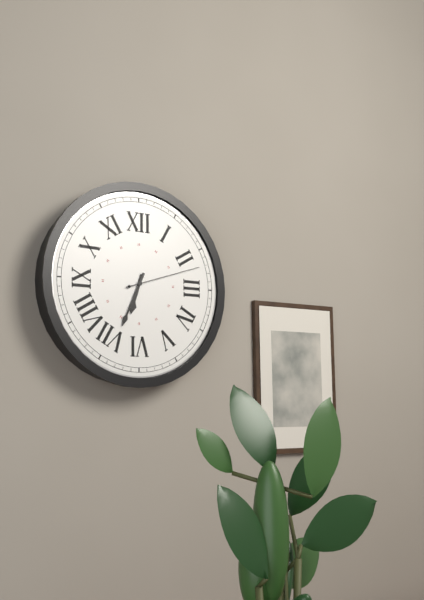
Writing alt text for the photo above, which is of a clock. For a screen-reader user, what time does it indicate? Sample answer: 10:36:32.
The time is 6:34:12
